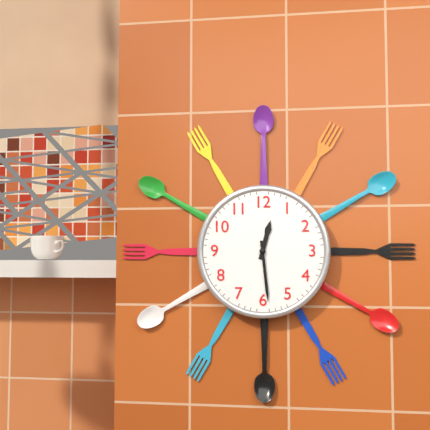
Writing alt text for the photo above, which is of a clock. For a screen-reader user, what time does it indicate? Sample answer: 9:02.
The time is 12:29
